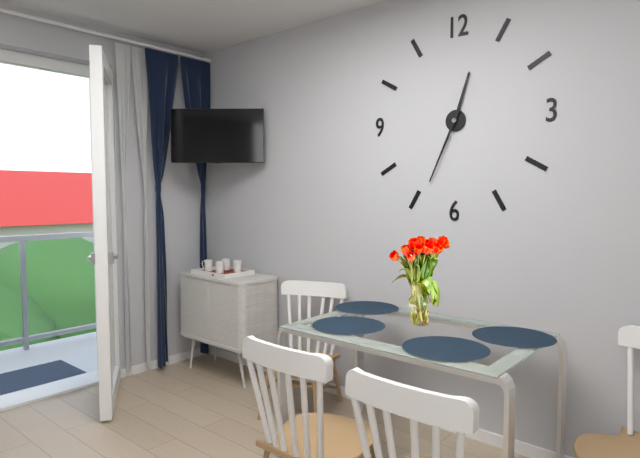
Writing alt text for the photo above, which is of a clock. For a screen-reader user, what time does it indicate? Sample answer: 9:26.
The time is 12:34
